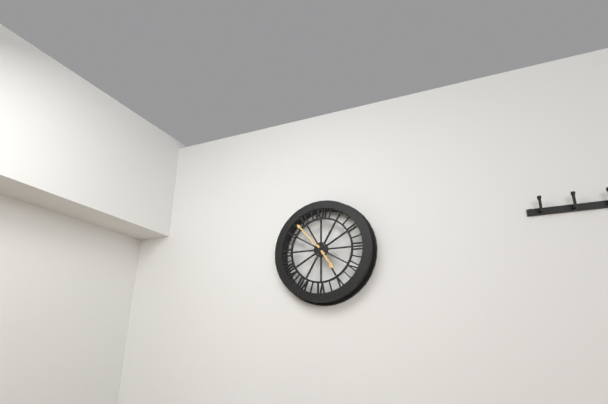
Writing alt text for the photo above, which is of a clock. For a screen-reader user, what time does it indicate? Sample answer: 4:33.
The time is 4:53
